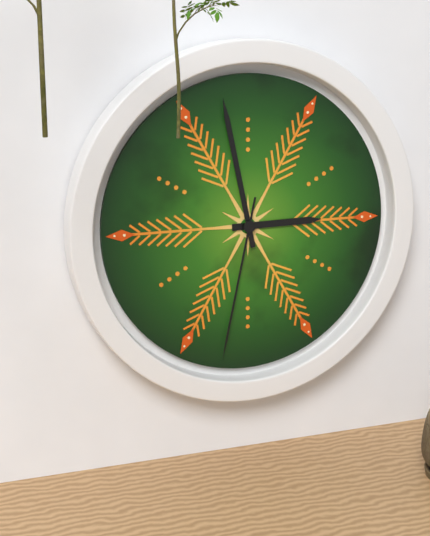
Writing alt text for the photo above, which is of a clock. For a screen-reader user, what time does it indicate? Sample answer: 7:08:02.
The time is 2:58:32
